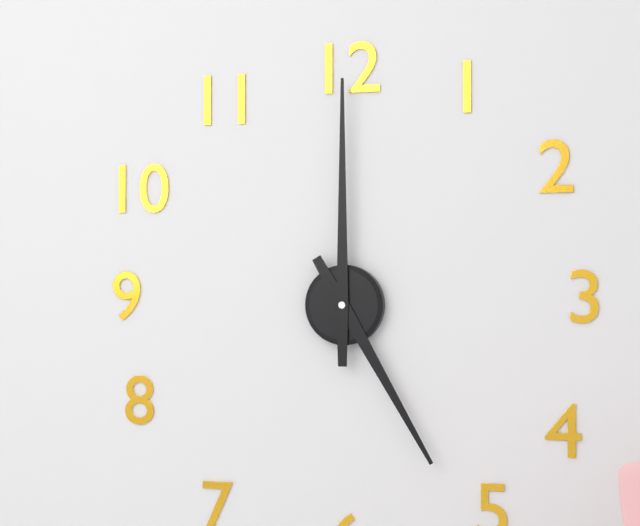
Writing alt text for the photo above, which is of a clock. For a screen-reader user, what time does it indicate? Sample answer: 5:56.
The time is 5:00
